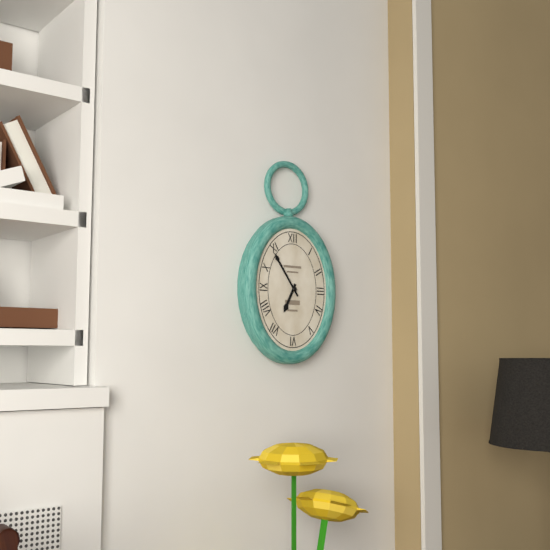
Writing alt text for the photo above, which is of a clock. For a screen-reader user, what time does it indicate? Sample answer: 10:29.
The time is 6:54
